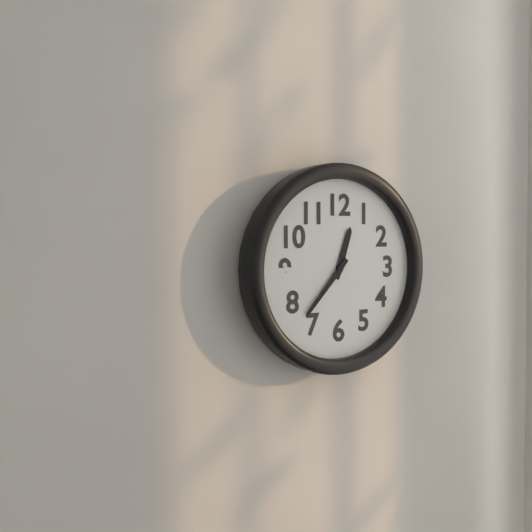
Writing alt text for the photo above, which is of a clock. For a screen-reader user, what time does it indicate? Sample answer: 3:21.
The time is 12:37
